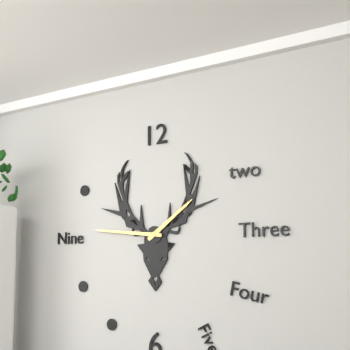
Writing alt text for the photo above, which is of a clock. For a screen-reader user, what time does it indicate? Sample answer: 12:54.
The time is 1:46
